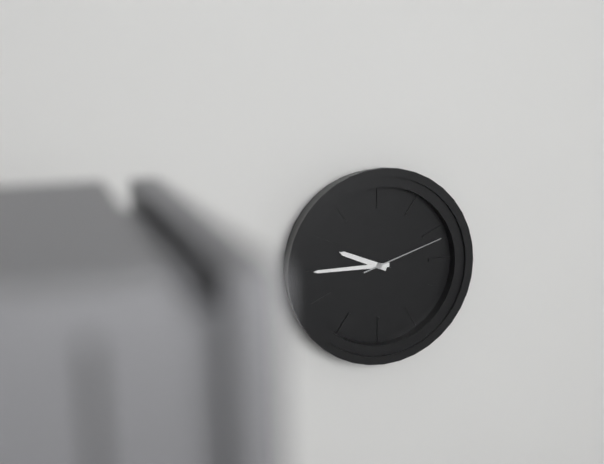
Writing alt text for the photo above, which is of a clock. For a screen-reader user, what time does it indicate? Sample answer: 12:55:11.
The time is 9:45:12
